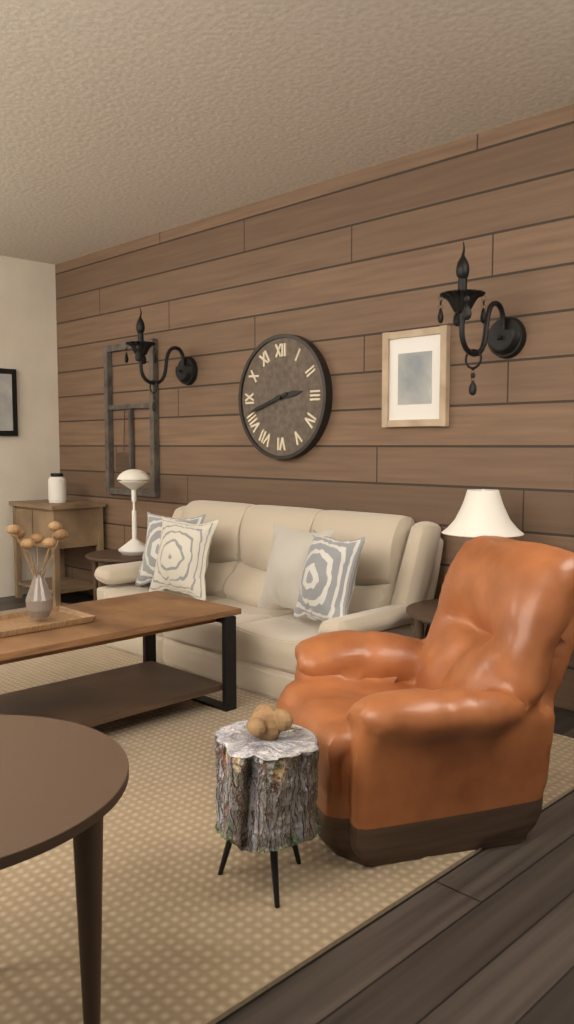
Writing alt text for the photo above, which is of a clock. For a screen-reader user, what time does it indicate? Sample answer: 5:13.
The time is 2:42
